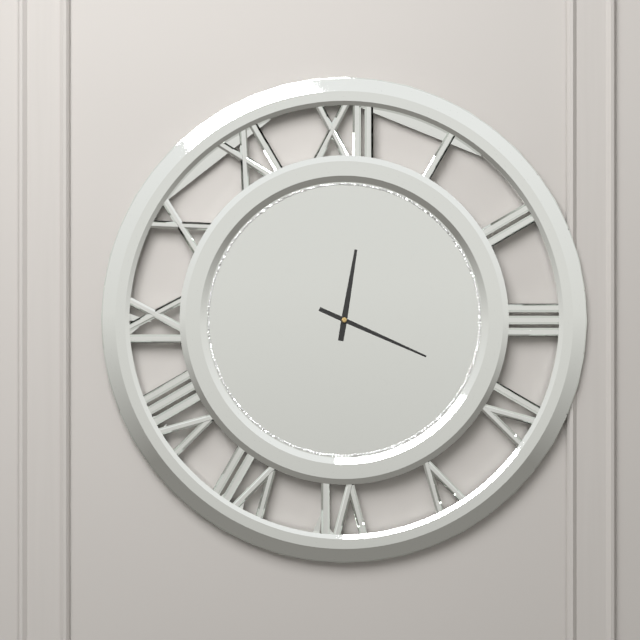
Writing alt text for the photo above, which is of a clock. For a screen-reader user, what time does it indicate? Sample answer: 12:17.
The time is 12:19
